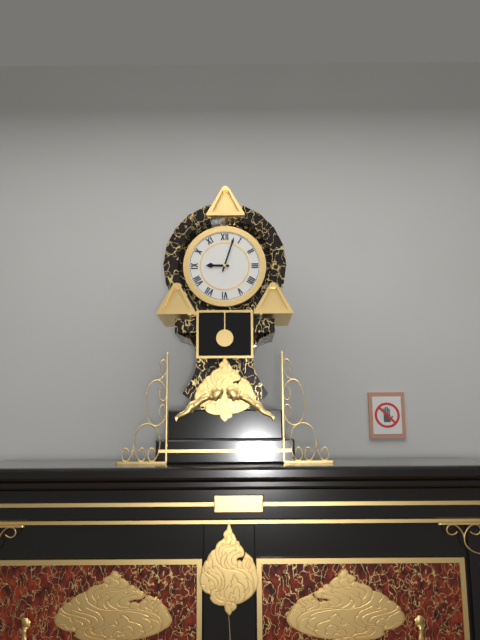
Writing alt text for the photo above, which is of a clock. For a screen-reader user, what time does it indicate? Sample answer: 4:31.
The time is 9:03
